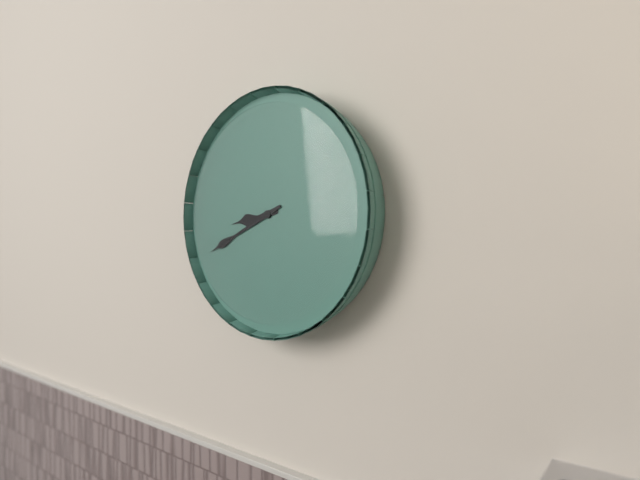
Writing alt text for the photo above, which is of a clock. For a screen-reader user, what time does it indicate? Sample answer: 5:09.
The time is 8:41
